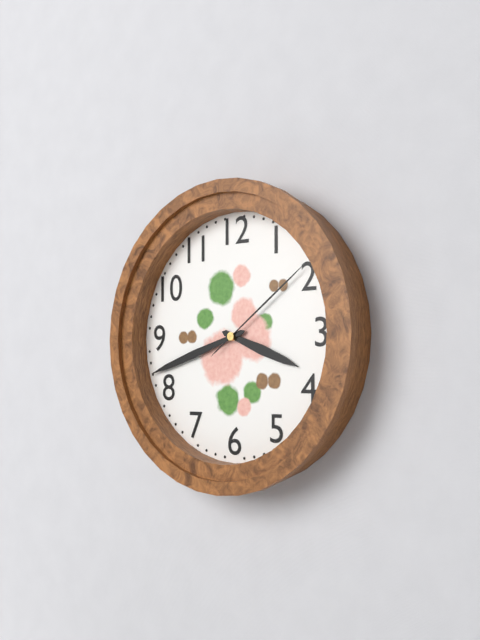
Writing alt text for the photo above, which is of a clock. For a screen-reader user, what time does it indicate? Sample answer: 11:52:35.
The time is 3:42:09
